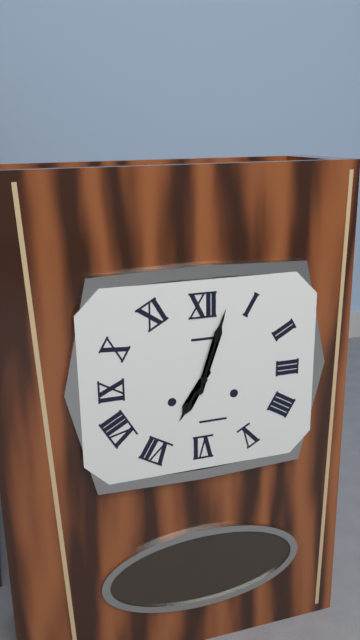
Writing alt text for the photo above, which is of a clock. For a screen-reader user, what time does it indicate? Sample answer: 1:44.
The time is 7:03
